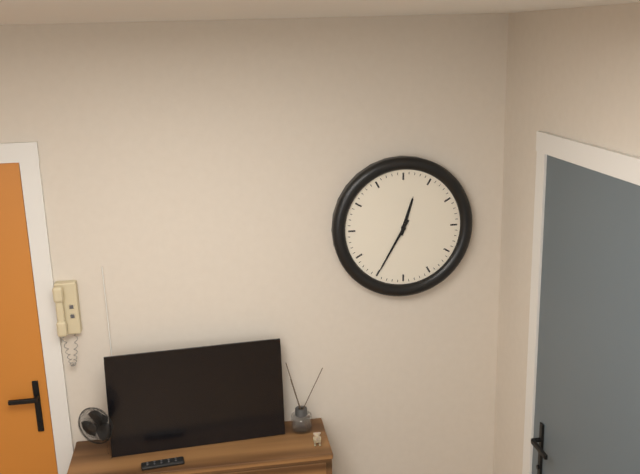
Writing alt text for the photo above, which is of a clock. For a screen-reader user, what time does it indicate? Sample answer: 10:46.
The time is 12:35
